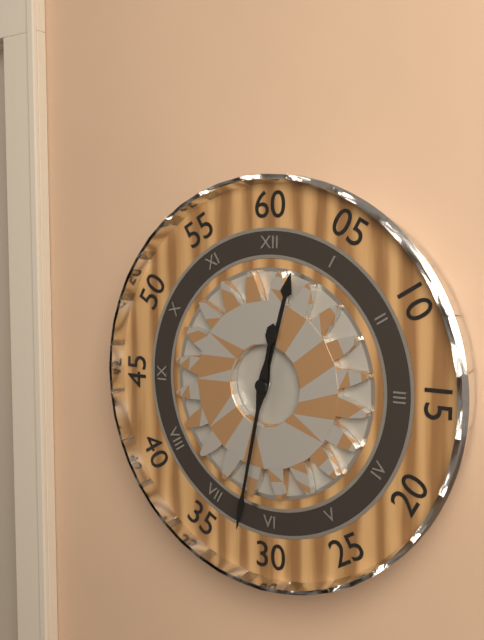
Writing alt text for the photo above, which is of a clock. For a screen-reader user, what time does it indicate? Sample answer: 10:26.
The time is 12:32
